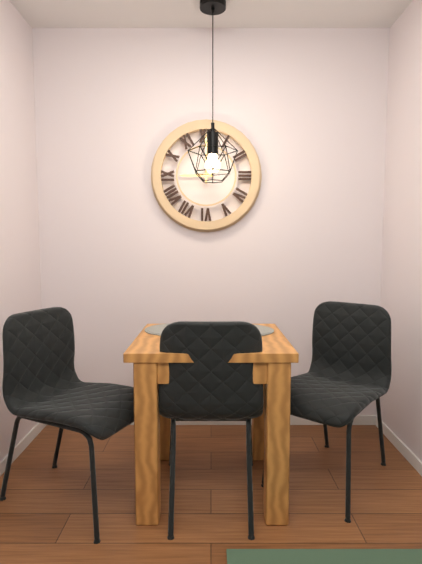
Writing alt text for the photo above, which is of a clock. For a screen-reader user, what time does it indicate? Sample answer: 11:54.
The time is 9:00
